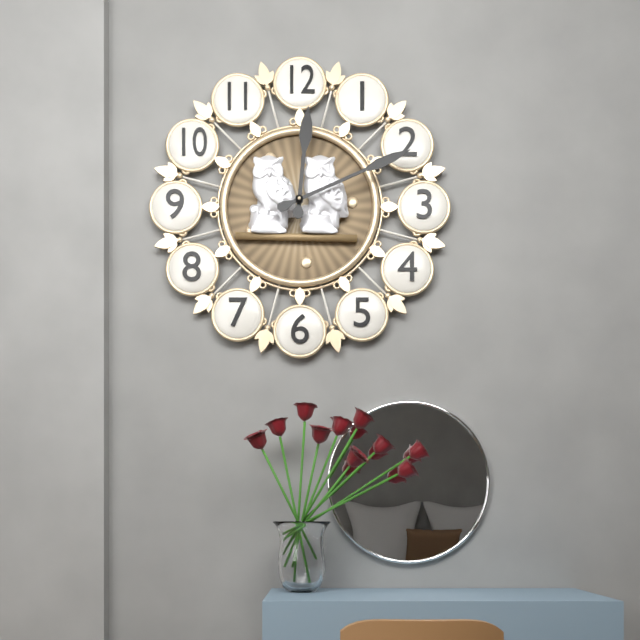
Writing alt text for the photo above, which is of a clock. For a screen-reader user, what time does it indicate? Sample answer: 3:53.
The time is 12:11
